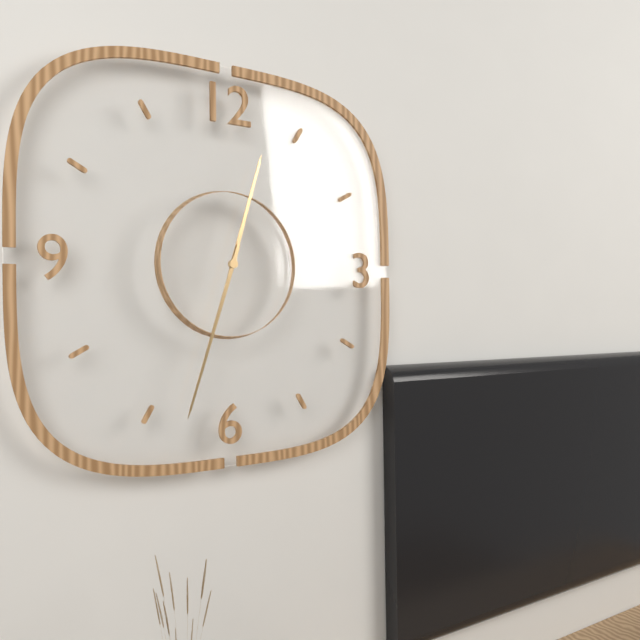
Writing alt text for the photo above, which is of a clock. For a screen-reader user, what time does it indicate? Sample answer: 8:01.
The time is 12:33
